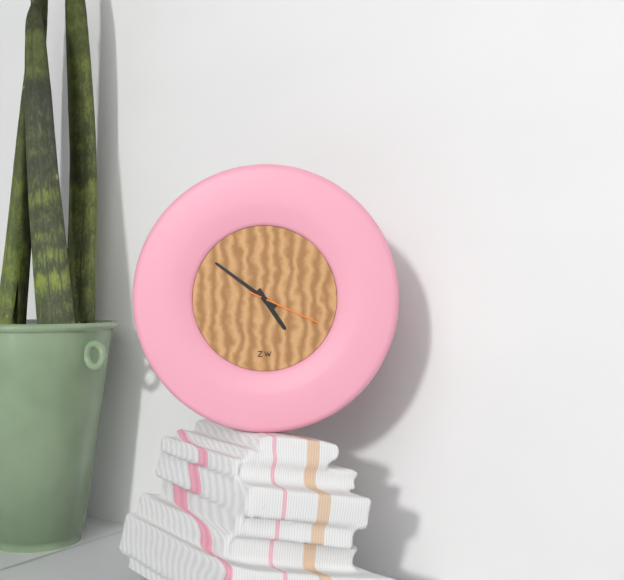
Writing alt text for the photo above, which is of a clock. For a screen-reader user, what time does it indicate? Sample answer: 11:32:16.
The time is 4:51:19
